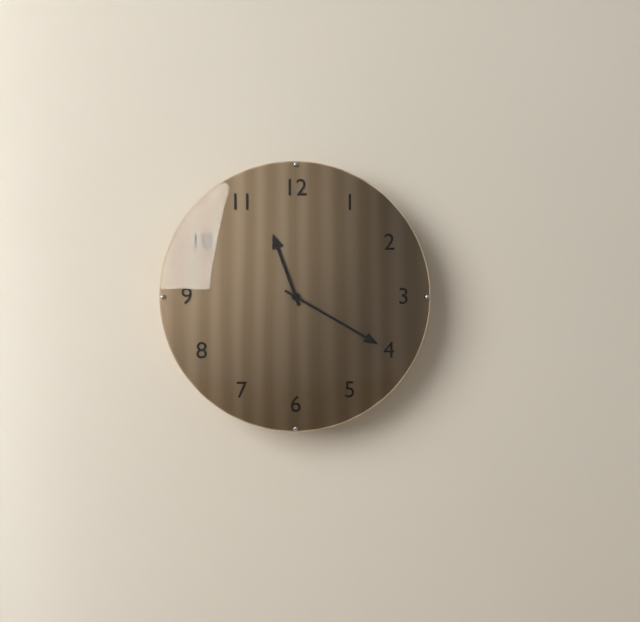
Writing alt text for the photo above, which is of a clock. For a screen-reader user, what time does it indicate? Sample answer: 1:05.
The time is 11:20
